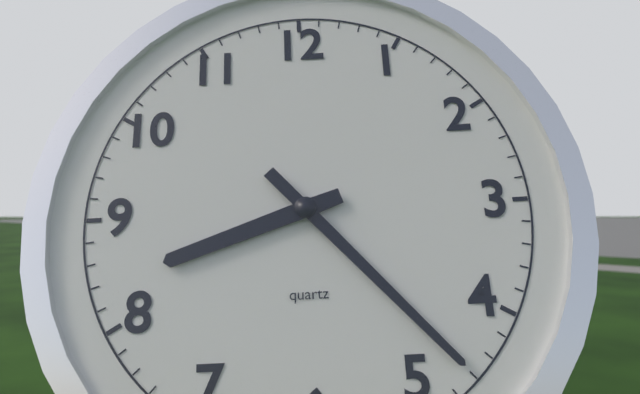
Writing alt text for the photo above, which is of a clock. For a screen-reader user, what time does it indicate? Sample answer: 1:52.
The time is 8:23
